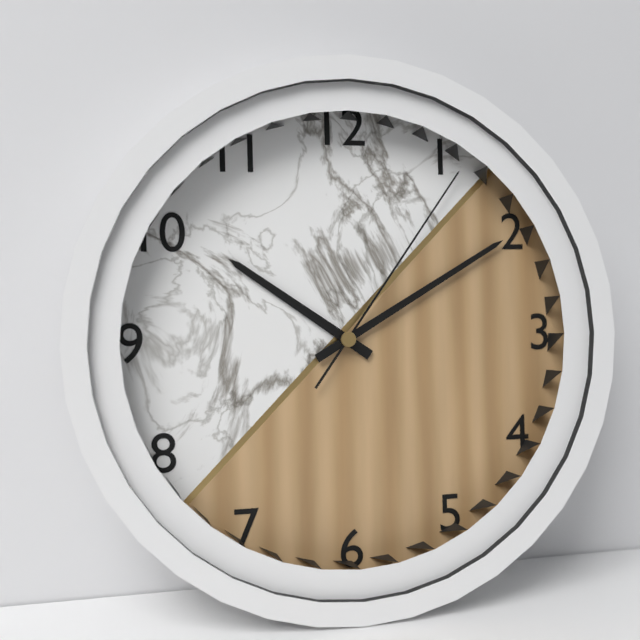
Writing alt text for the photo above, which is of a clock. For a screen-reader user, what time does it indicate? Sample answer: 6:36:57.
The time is 10:10:06
